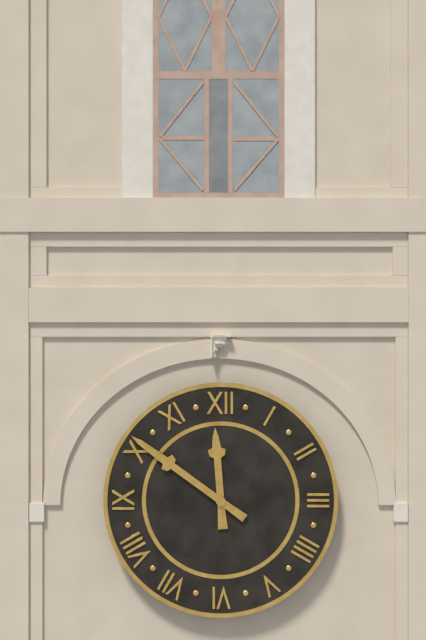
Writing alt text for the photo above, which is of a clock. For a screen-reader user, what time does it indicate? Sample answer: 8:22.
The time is 11:51
